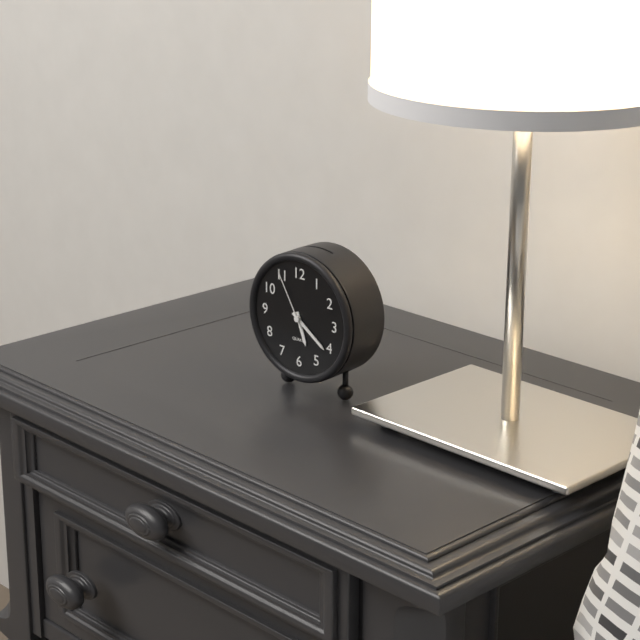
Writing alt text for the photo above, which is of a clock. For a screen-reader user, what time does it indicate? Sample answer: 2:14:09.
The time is 5:21:55
